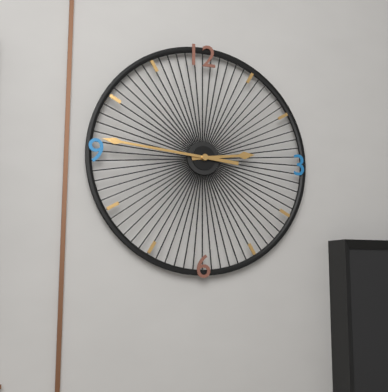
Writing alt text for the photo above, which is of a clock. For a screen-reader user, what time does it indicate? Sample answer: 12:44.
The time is 2:46
